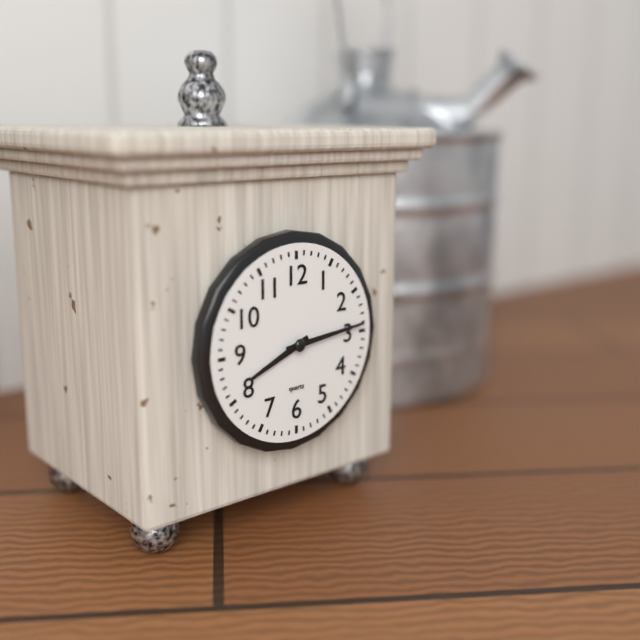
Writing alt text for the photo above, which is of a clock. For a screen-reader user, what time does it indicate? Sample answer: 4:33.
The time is 8:14
